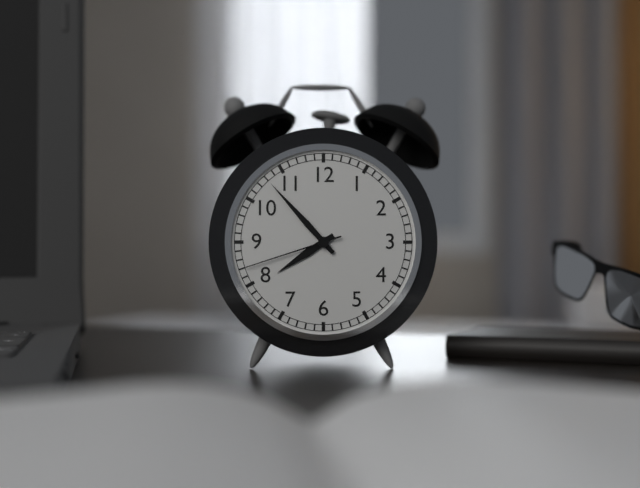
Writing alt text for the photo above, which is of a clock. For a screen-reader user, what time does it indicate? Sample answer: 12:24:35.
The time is 7:53:42
